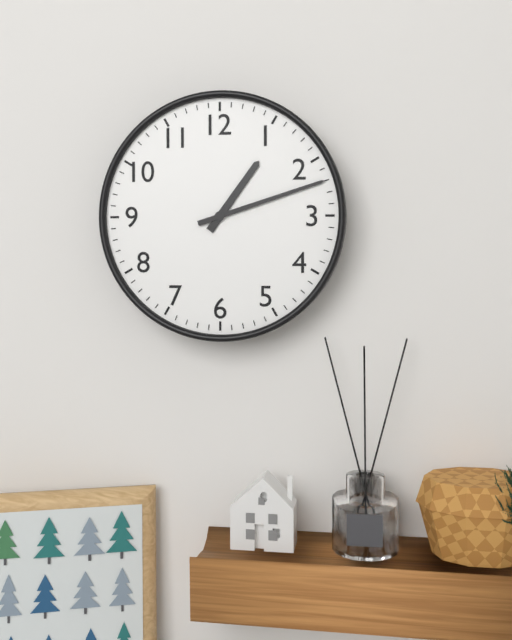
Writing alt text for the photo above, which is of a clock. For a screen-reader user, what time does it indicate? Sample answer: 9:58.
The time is 1:12
